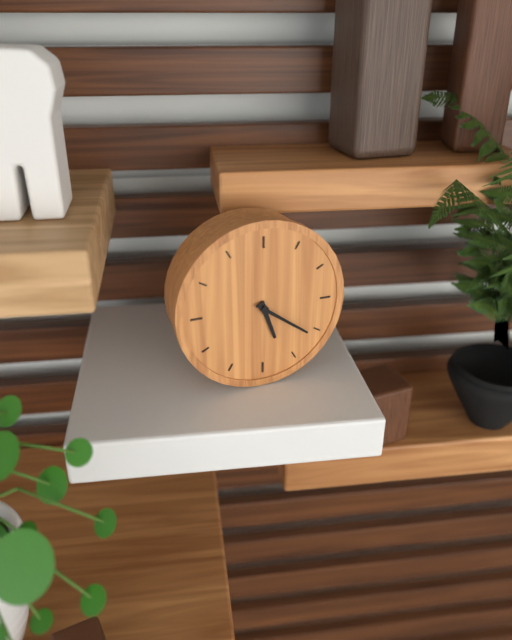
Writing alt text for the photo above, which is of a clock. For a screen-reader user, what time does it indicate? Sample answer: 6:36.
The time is 5:21
